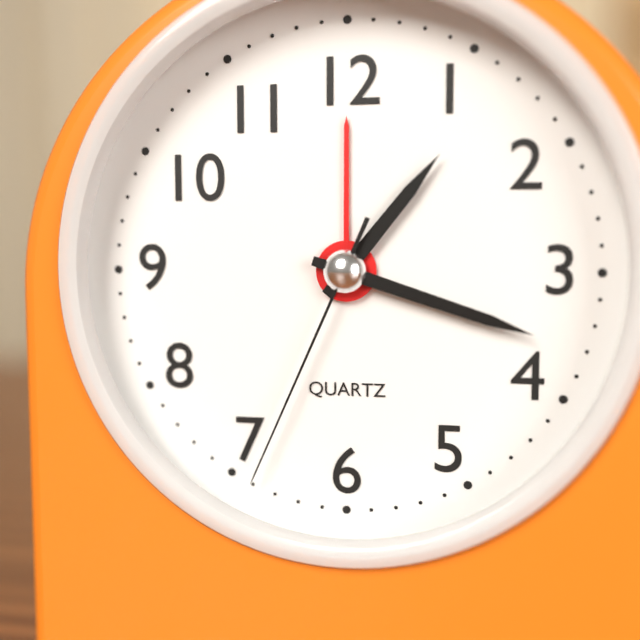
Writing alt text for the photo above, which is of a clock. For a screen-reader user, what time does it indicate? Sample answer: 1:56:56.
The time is 1:18:34
